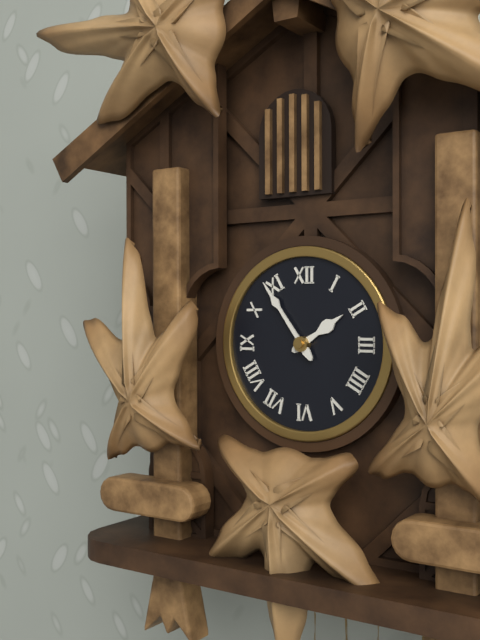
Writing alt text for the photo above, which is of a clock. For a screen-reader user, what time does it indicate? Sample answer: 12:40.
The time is 1:54
